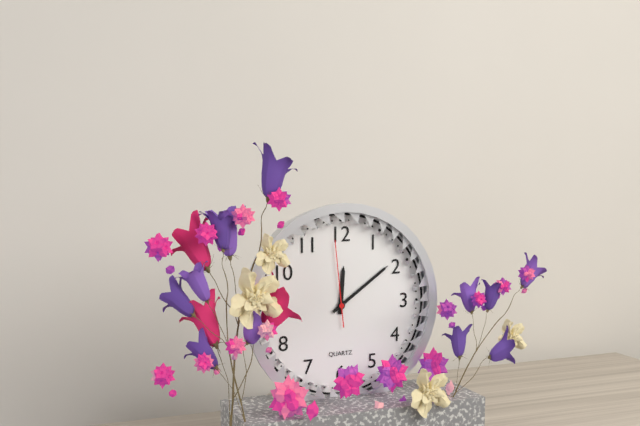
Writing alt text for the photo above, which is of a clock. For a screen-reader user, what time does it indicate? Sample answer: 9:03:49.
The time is 12:09:59
